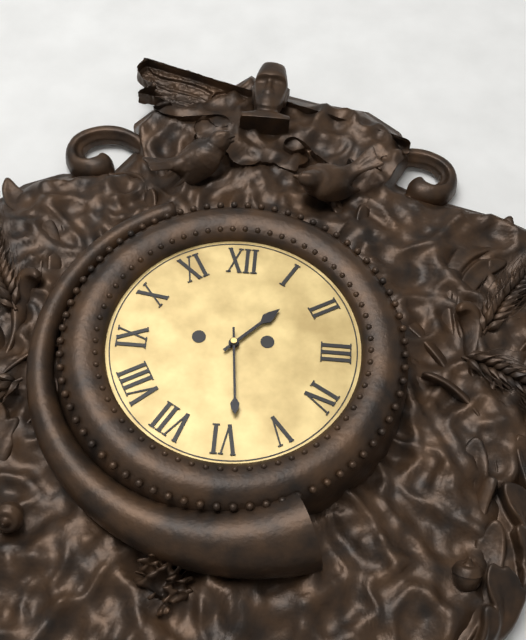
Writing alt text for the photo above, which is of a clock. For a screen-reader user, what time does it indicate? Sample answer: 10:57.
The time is 1:29
